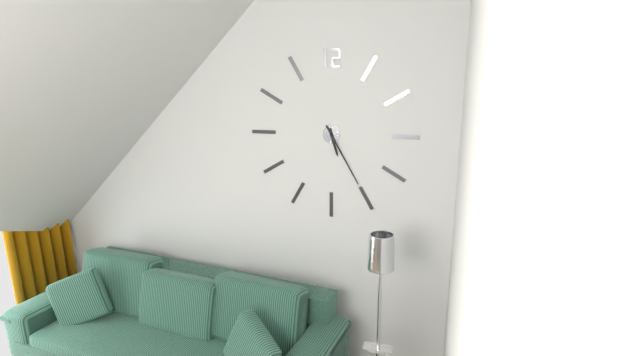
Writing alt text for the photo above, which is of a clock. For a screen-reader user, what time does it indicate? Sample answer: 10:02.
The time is 5:25
